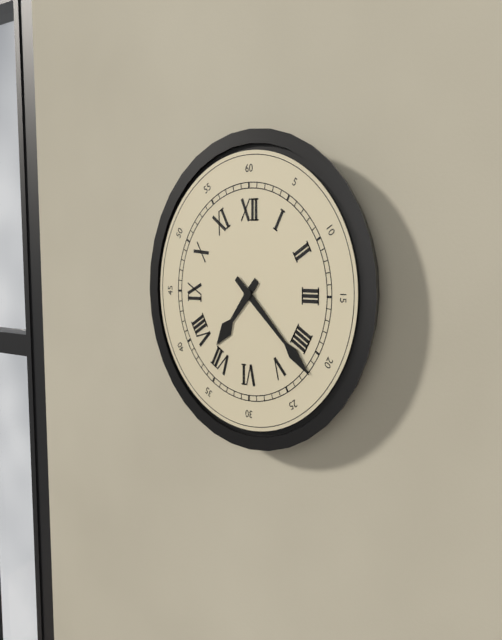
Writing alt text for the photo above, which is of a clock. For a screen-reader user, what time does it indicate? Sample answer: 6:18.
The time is 7:22
